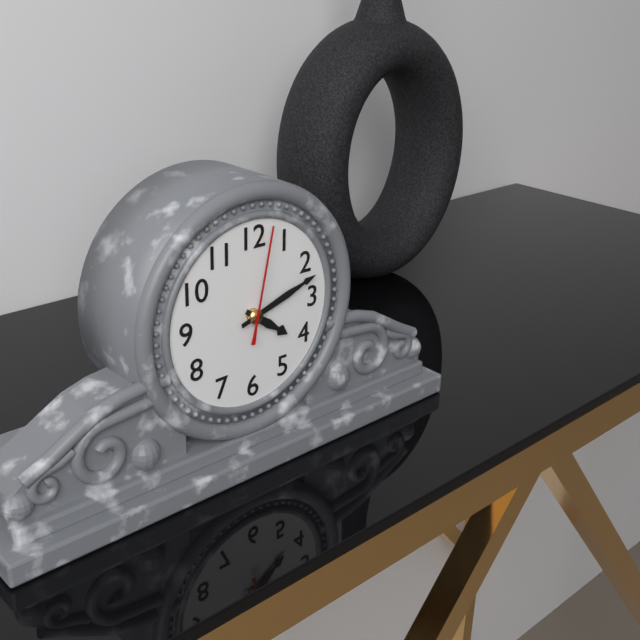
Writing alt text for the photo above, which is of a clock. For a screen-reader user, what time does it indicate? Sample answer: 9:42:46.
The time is 4:12:02
